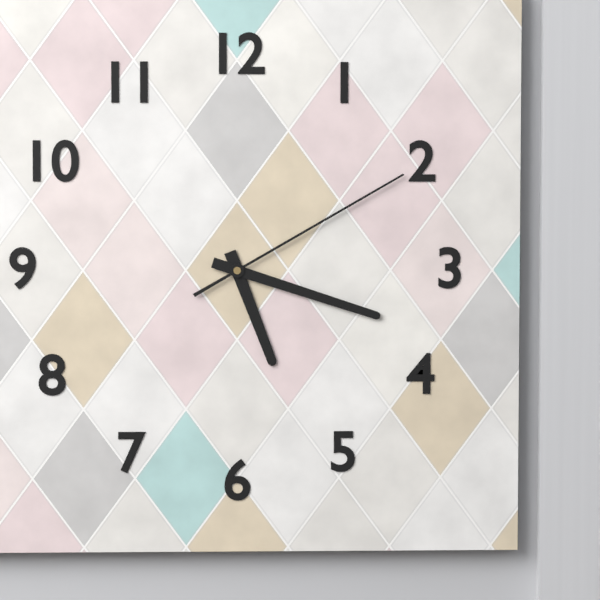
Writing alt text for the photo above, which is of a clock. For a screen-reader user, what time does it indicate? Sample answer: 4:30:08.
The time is 5:18:10
